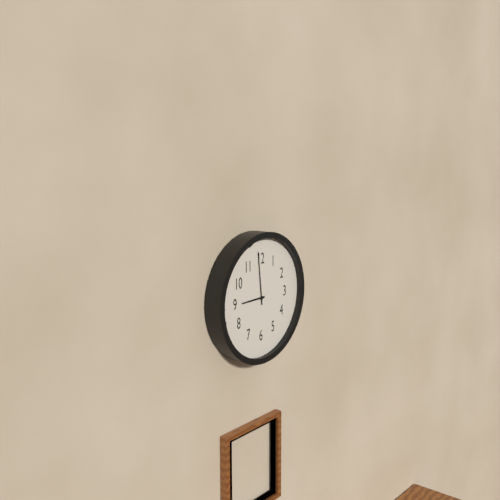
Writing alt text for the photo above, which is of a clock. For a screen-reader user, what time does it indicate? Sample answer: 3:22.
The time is 8:59
